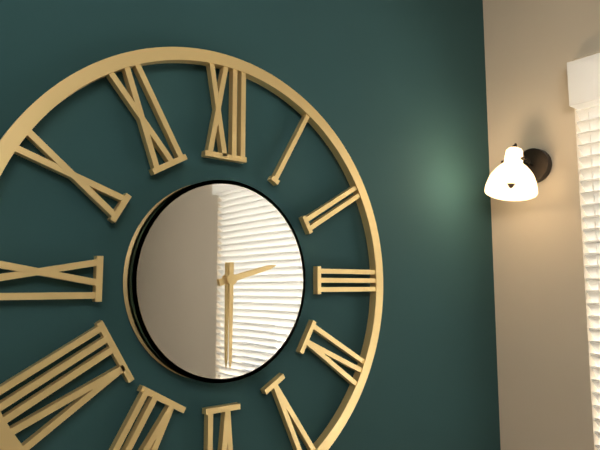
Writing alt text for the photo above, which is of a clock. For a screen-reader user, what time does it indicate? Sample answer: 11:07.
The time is 2:30
